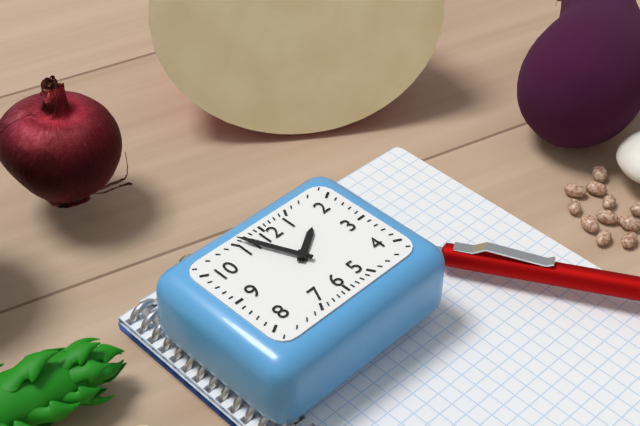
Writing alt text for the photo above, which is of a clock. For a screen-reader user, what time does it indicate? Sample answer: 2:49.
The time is 1:56
